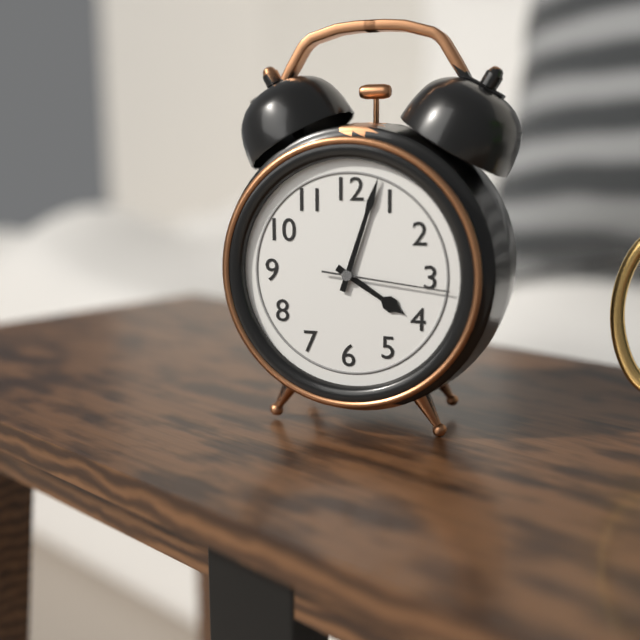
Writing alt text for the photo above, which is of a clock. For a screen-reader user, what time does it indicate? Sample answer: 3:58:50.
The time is 4:03:16
